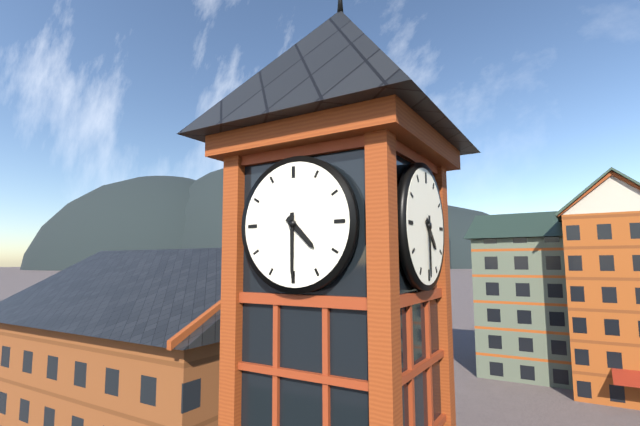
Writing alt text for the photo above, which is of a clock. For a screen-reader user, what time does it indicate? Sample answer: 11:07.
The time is 4:30
